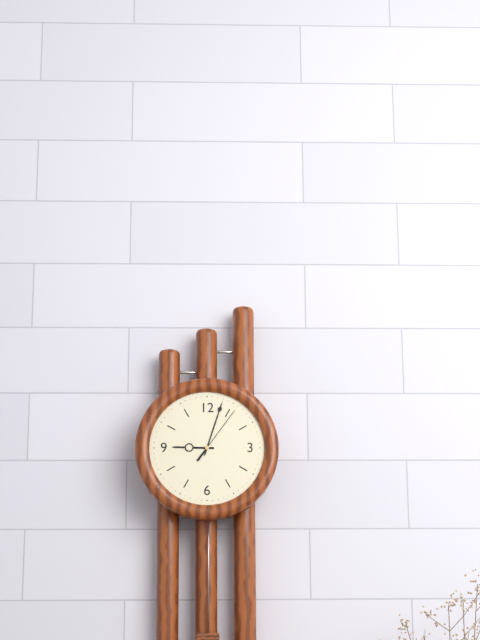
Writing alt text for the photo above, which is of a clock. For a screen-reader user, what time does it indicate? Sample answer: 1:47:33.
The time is 9:03:06
